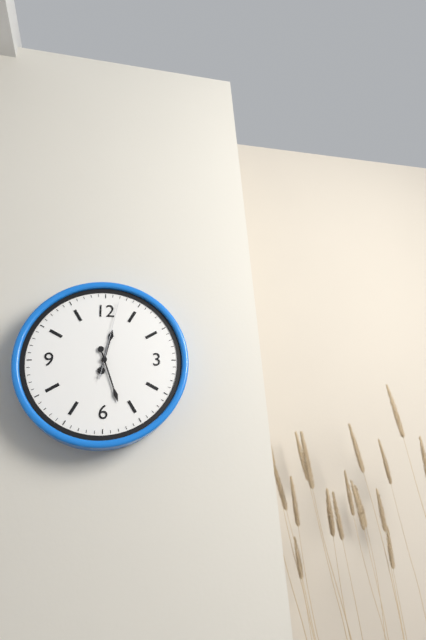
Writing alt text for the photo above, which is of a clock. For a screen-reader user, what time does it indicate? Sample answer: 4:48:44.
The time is 12:27:02
